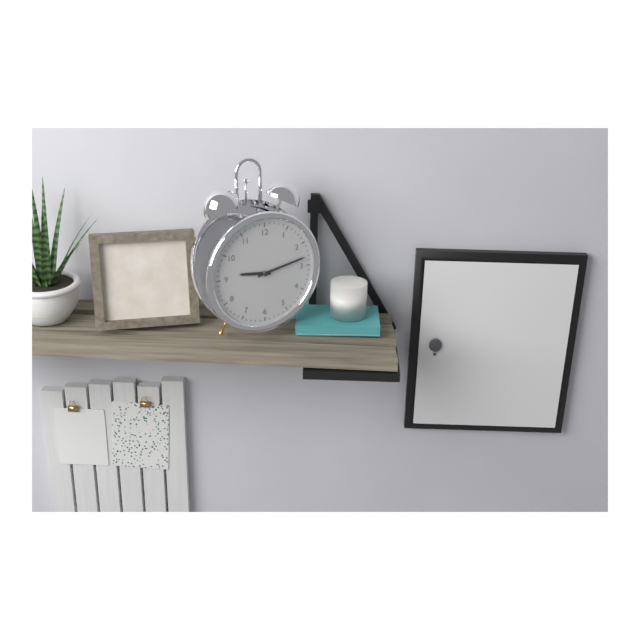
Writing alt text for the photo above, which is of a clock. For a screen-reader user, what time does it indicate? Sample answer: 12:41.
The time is 9:13
